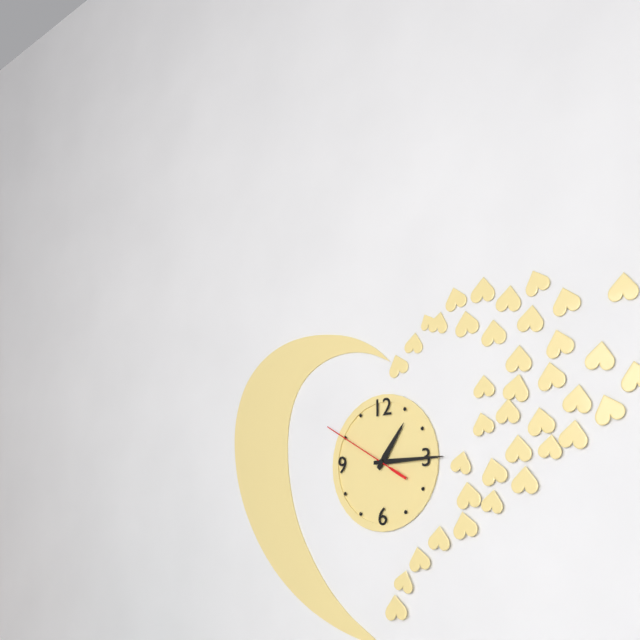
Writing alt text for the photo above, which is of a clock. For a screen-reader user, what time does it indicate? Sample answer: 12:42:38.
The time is 1:15:50
